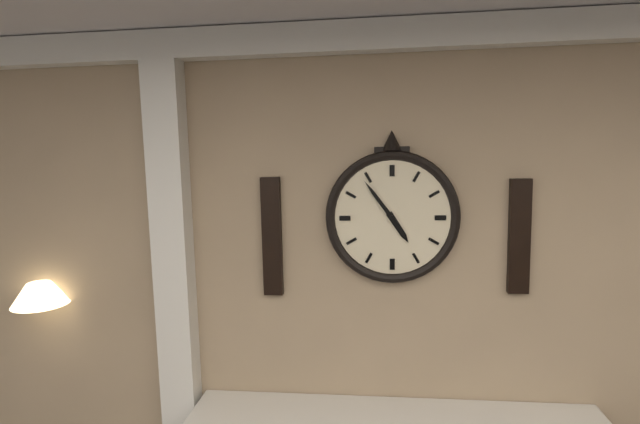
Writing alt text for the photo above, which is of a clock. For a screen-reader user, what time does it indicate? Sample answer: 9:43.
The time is 4:54
